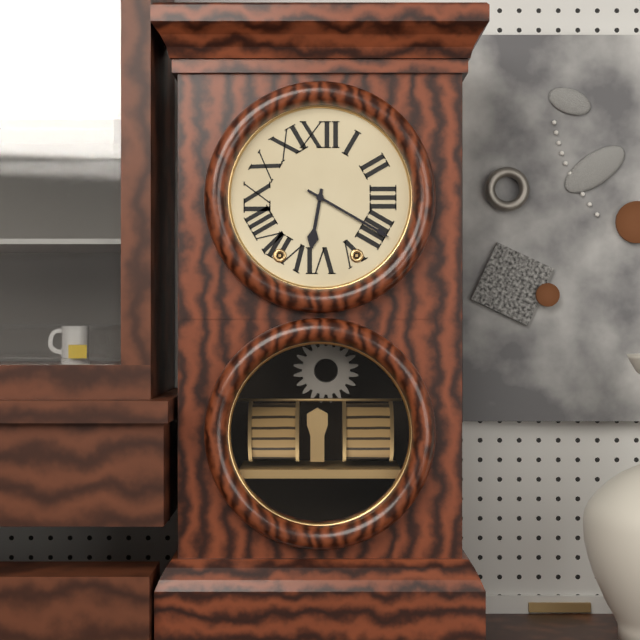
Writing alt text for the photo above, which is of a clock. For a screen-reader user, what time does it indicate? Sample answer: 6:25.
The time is 6:20
